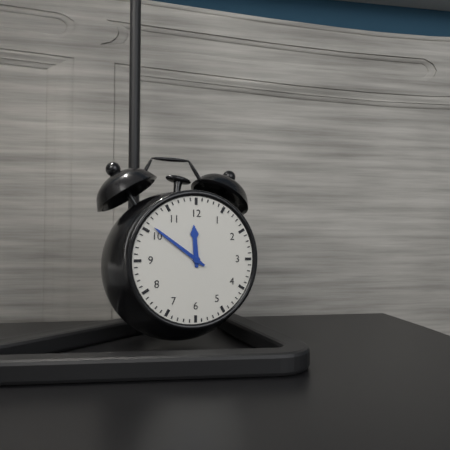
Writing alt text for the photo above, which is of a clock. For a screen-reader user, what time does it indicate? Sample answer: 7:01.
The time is 11:51
